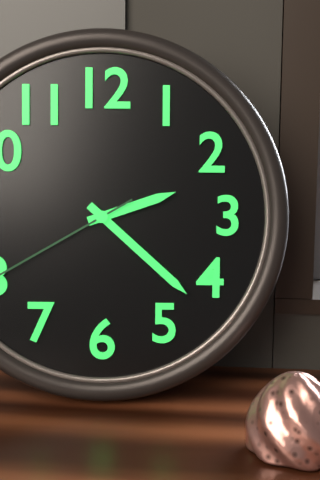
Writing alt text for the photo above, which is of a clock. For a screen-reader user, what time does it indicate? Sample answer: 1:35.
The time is 2:22
